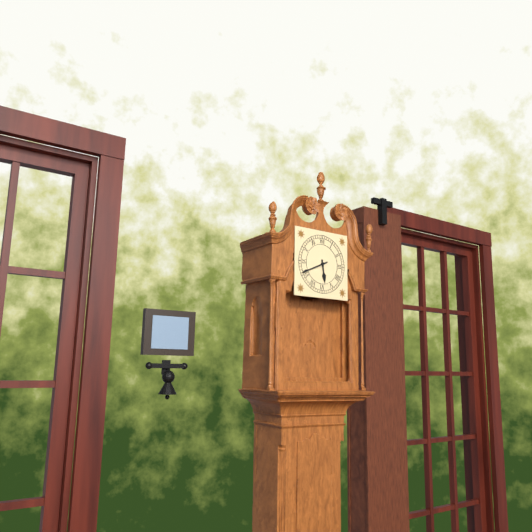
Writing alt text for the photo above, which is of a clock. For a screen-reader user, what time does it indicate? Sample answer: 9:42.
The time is 5:41
